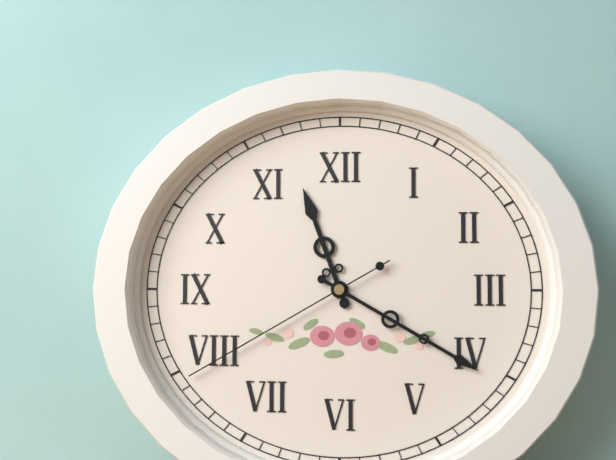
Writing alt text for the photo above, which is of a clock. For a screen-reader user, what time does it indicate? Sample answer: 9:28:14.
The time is 11:20:40
